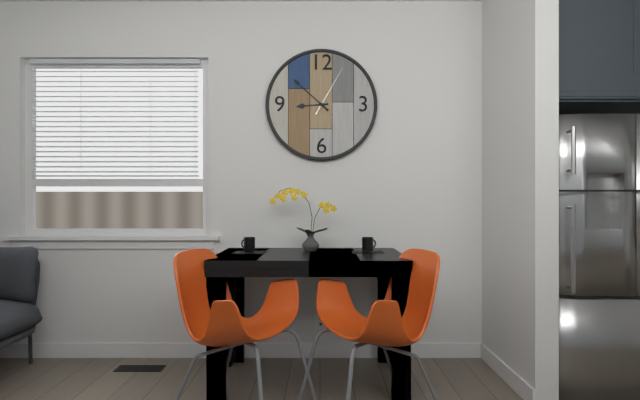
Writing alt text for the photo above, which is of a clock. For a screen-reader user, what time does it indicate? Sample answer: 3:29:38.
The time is 8:52:05
